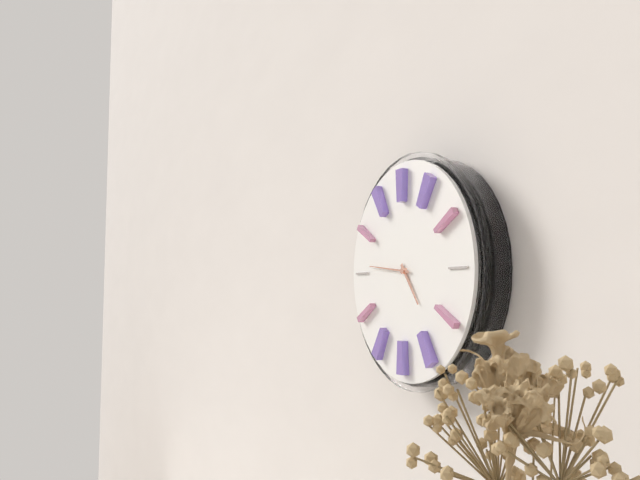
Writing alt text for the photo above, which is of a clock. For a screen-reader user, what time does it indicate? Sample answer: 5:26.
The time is 4:46
